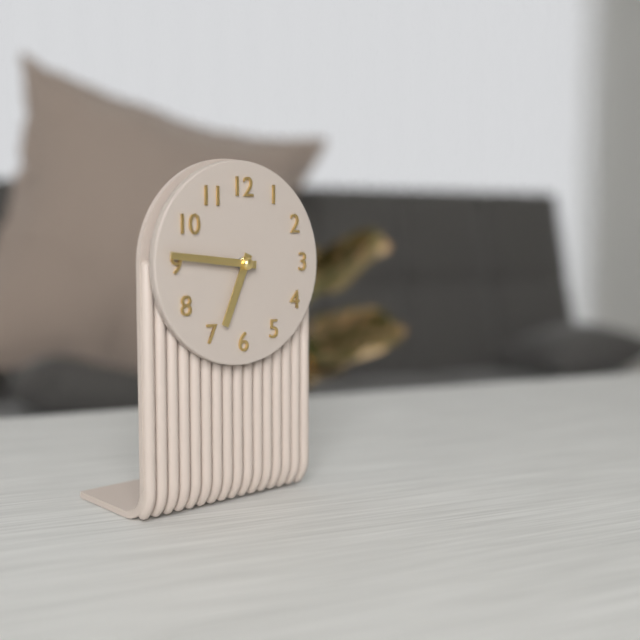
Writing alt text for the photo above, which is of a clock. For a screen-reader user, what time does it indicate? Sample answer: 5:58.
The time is 6:46
